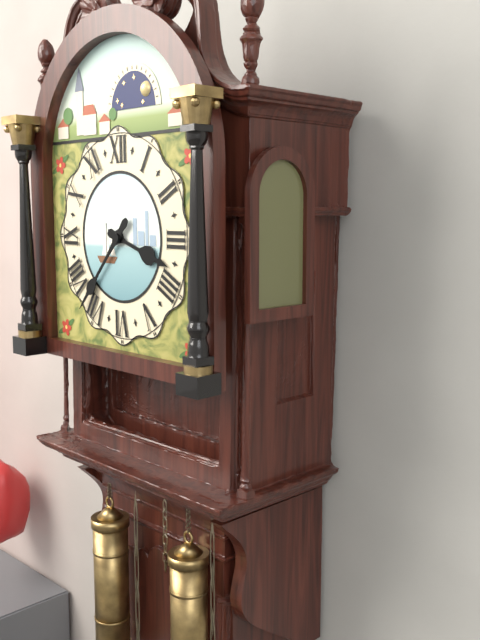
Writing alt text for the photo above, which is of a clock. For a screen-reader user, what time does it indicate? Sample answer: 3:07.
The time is 3:37
